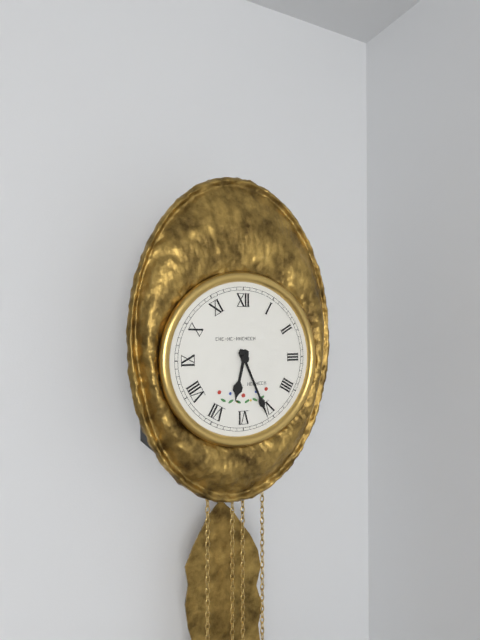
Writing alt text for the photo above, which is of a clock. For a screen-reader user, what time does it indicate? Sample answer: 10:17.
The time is 6:26
